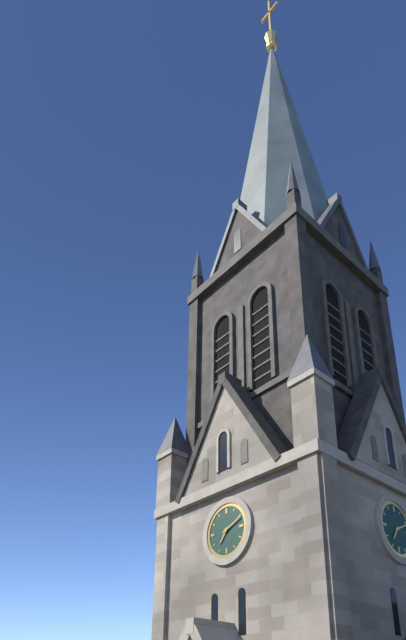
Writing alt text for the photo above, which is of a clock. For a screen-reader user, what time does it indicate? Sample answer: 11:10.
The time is 7:11
